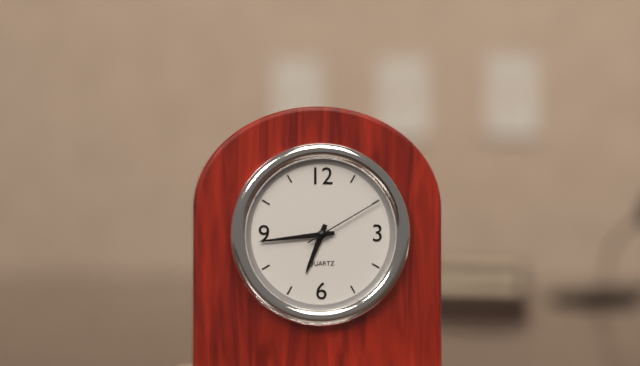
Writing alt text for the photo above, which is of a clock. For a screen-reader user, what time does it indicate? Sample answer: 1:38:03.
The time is 6:44:10
